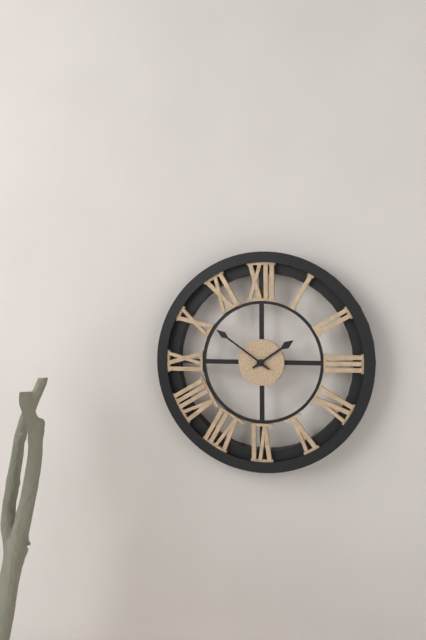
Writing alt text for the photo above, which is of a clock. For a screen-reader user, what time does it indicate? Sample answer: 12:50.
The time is 1:51
